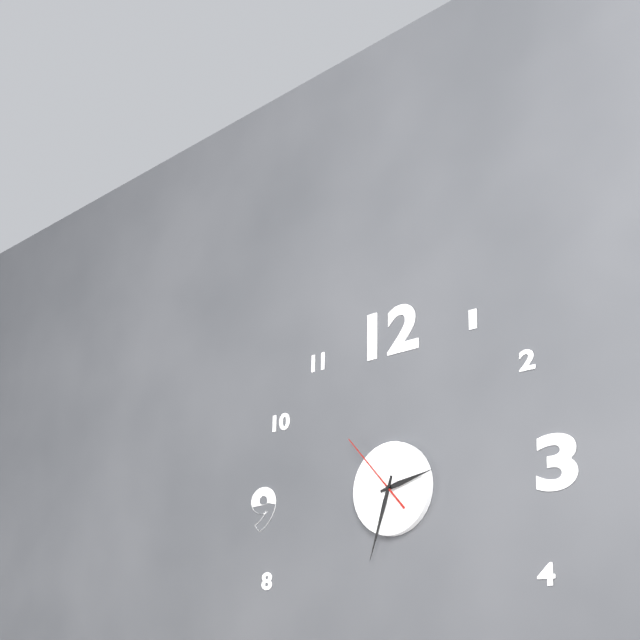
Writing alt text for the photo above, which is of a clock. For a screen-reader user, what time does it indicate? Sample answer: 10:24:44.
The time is 2:33:53
